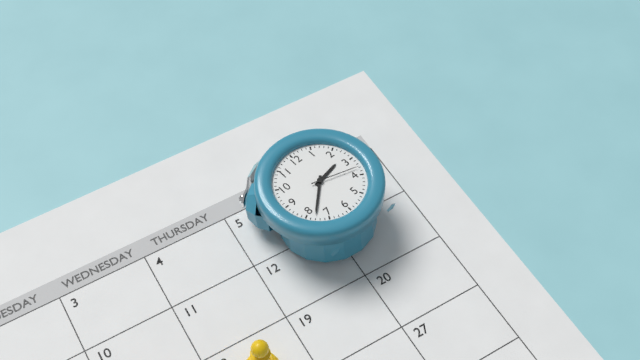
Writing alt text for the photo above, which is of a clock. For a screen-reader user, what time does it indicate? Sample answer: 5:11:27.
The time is 2:38:18
